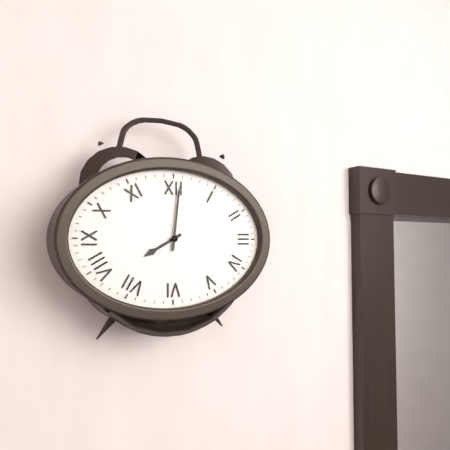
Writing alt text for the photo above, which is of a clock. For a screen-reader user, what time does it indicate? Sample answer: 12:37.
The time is 8:01
